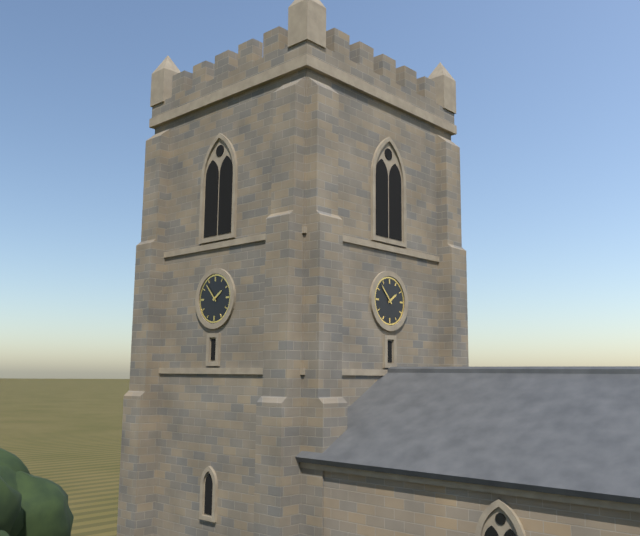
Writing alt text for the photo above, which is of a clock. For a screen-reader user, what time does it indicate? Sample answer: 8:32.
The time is 1:53
